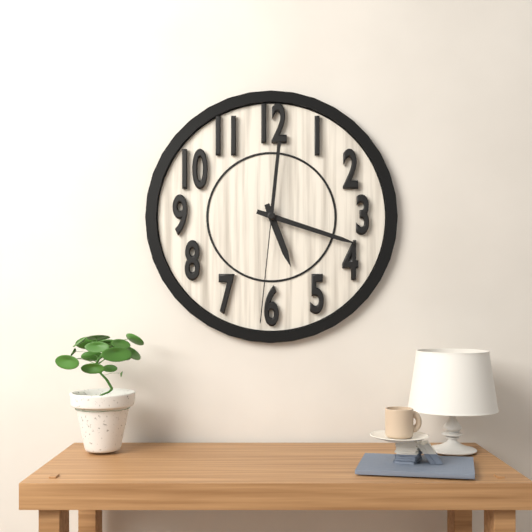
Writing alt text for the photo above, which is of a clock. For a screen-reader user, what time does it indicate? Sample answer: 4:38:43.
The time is 5:18:31
